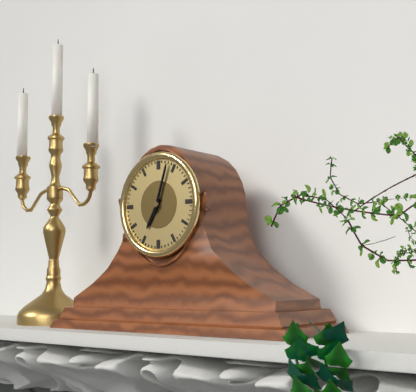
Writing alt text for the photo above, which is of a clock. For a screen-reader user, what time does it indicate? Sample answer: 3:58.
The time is 7:03
